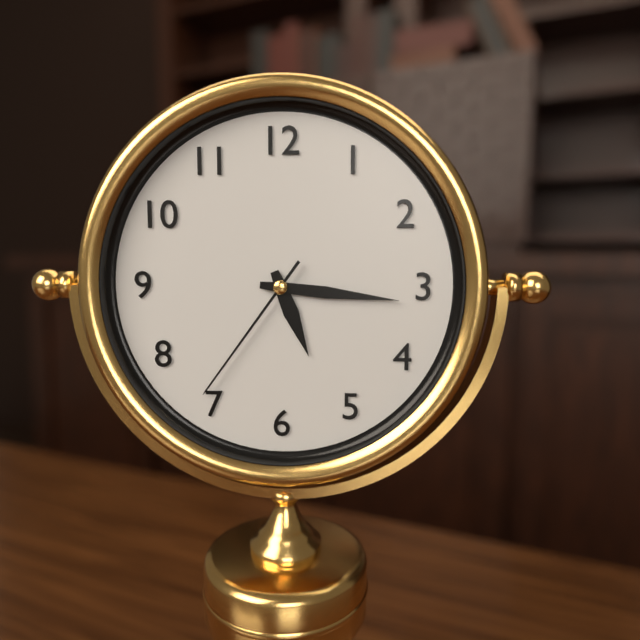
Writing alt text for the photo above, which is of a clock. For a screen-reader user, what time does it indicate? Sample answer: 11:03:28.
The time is 5:16:36
